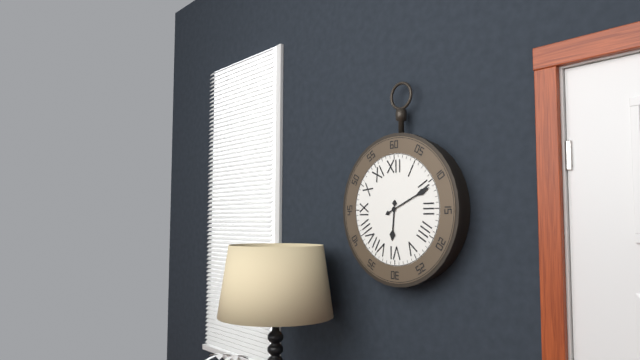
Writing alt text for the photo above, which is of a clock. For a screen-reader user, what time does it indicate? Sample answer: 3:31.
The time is 6:11
